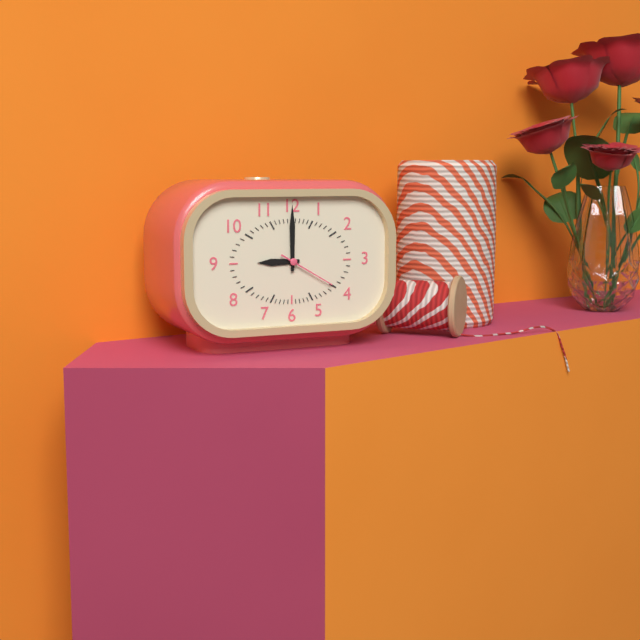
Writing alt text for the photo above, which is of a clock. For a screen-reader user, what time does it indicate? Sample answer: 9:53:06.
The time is 9:00:20
